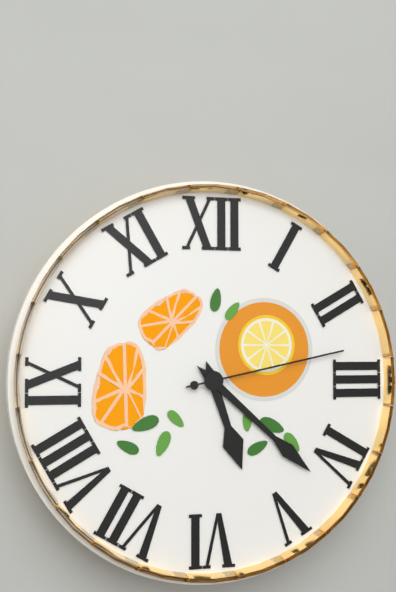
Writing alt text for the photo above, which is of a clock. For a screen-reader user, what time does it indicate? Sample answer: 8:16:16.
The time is 5:22:13
